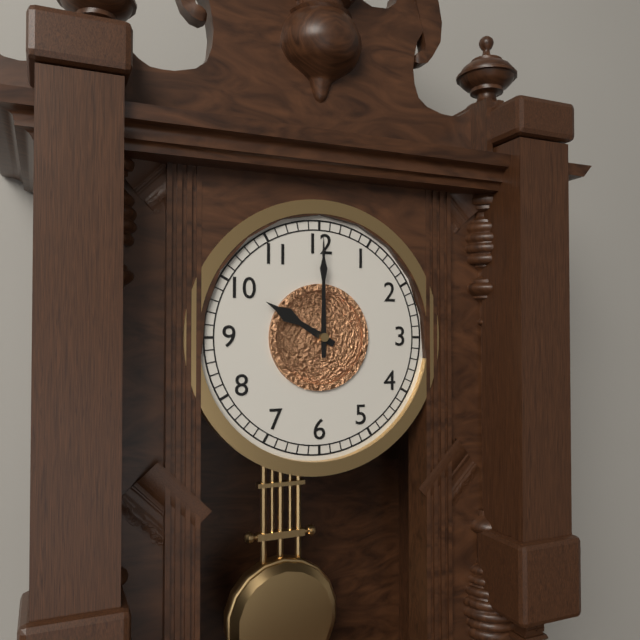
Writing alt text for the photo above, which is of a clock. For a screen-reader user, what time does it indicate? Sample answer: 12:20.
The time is 10:00
